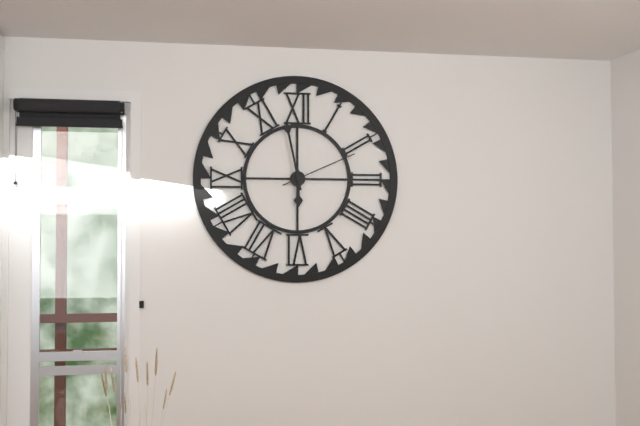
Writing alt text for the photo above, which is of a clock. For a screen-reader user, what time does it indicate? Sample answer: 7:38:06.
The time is 5:58:11
